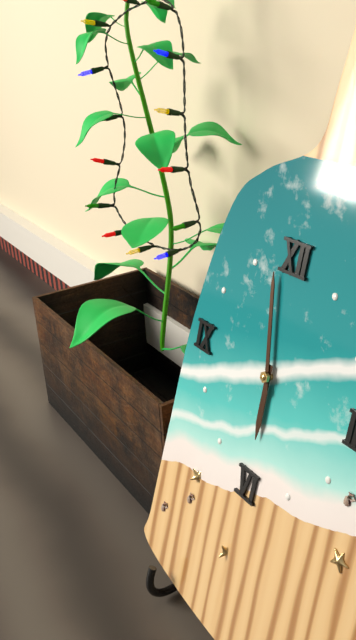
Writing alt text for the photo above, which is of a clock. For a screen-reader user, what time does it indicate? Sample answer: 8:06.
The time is 5:58
